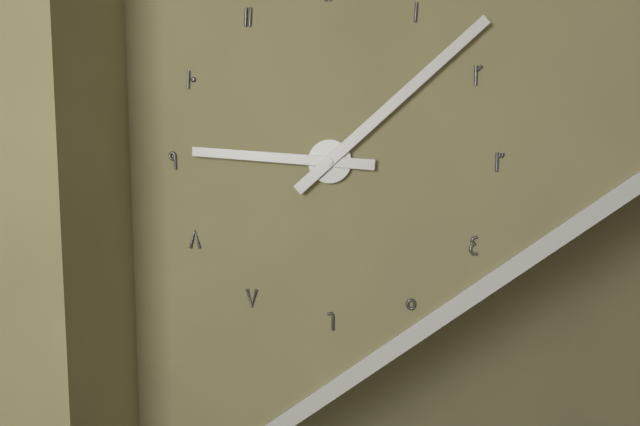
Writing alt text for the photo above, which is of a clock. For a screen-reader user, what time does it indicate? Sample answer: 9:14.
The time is 9:08
